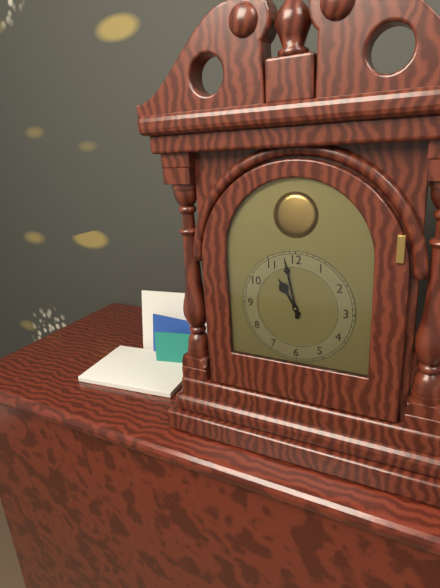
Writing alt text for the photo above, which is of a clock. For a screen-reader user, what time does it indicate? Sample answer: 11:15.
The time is 10:58
